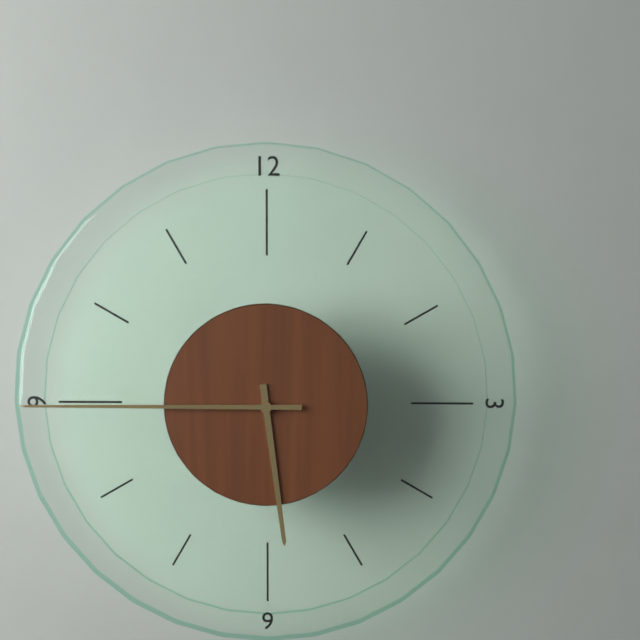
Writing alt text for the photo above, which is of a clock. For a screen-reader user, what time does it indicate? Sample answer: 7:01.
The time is 5:45
